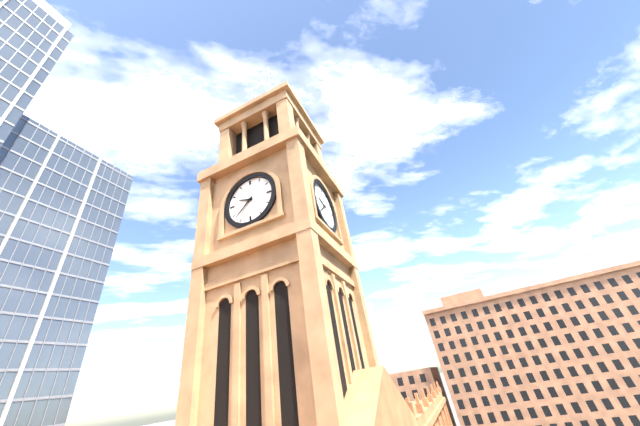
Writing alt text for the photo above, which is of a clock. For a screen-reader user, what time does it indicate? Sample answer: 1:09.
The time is 9:38
